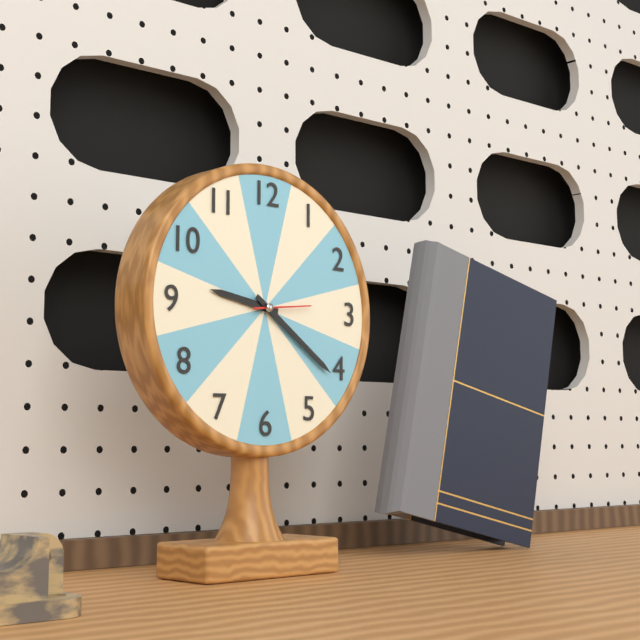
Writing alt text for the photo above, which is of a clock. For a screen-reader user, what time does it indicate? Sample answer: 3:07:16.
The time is 9:21:14
